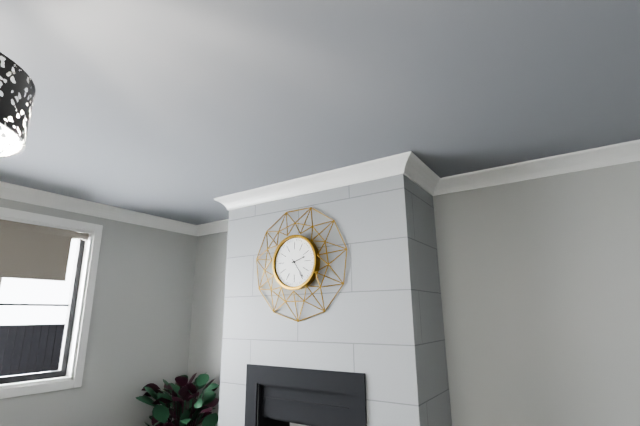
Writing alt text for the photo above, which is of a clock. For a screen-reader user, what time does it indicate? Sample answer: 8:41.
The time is 2:24
